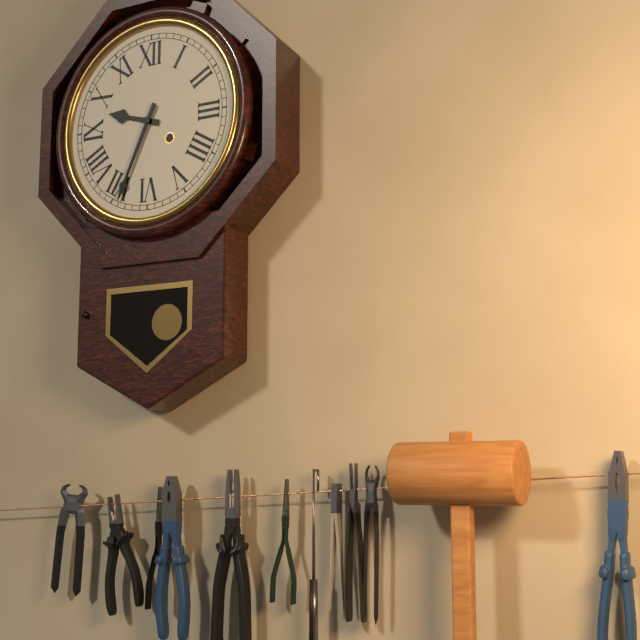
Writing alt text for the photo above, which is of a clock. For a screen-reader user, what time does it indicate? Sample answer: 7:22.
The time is 9:34
